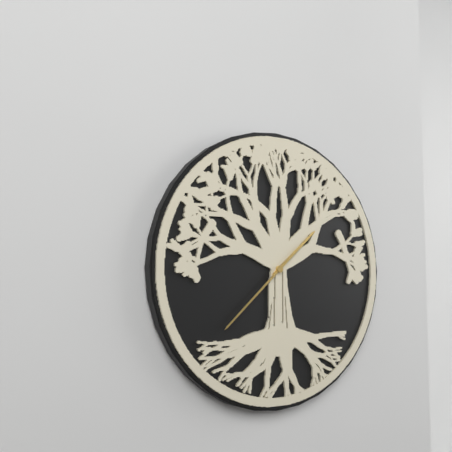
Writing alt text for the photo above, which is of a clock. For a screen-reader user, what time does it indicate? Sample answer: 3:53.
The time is 1:38
